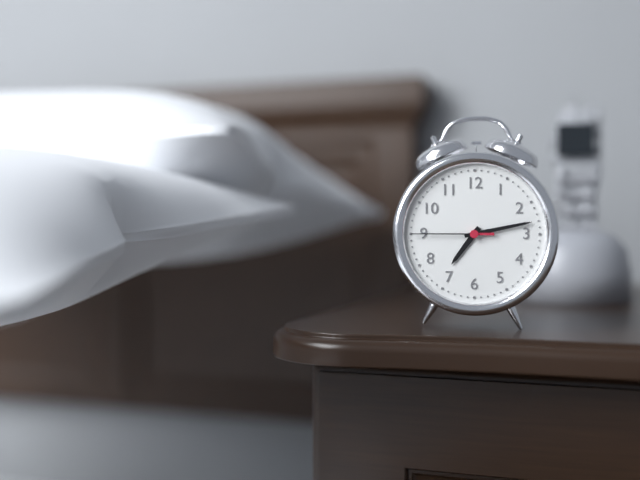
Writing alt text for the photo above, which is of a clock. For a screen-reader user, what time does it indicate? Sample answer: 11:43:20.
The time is 7:13:45
